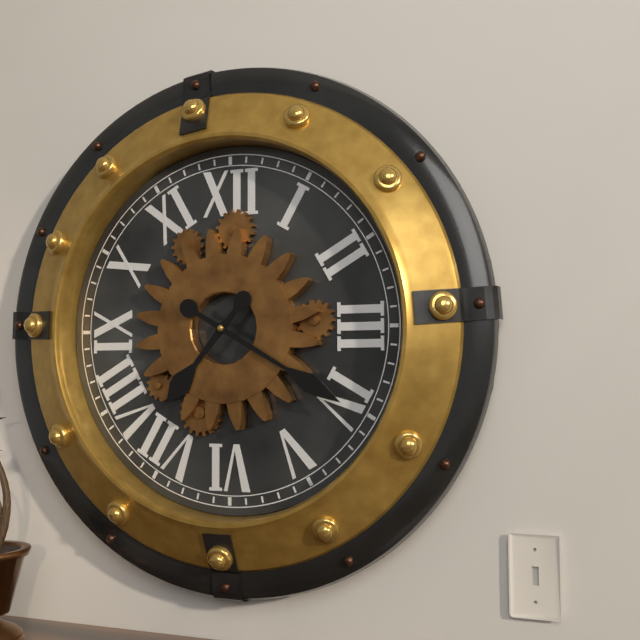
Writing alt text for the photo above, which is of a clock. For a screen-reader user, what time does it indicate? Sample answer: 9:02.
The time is 7:20
